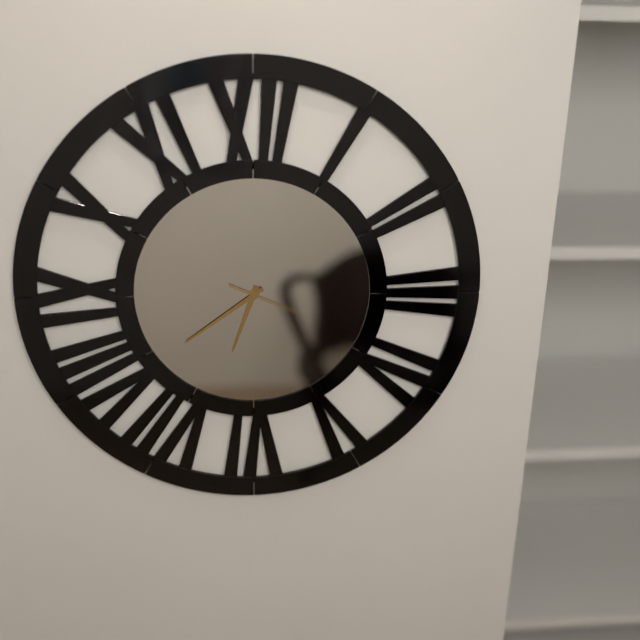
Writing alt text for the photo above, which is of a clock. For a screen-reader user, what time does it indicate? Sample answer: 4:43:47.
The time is 6:39:19
